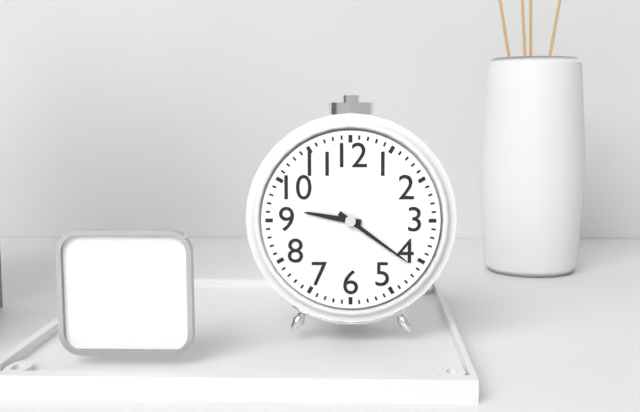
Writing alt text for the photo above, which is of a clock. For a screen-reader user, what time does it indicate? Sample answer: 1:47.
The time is 9:21
